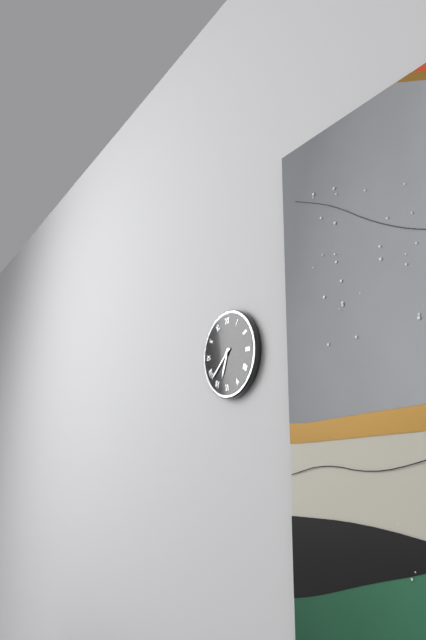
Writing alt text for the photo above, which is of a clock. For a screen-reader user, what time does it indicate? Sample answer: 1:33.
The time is 6:38
